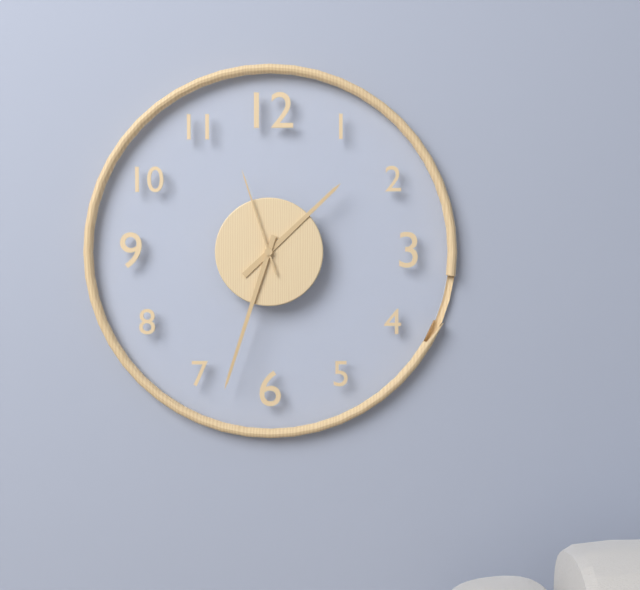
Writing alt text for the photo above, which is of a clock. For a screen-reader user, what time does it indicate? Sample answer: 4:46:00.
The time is 1:33:57
